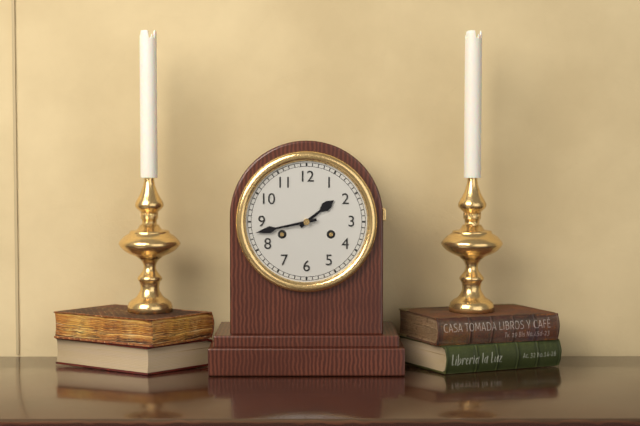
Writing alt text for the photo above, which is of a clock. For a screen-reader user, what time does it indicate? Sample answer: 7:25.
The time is 1:43
